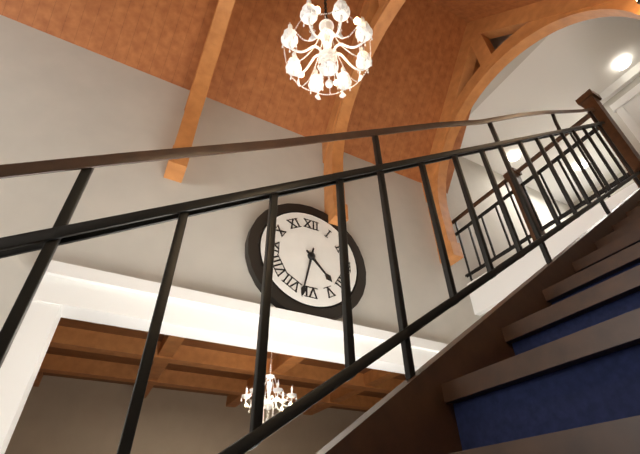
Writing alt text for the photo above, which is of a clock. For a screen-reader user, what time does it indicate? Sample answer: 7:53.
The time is 4:32
